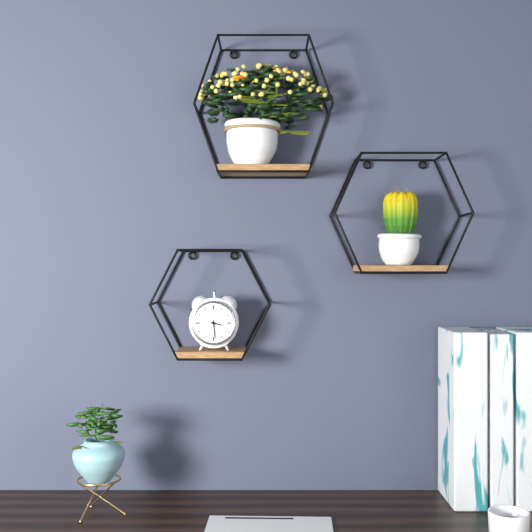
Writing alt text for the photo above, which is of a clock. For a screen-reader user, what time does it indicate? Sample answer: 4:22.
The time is 3:29
